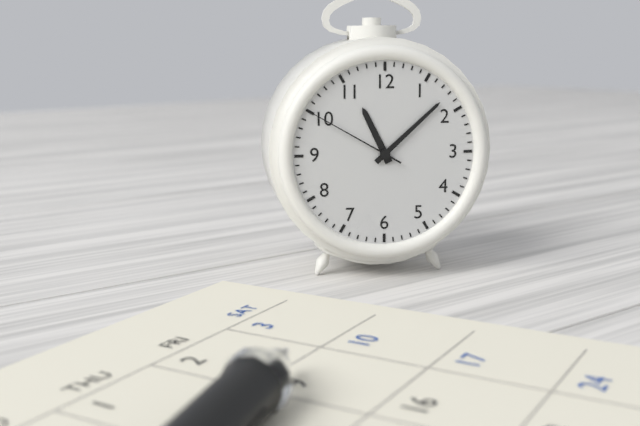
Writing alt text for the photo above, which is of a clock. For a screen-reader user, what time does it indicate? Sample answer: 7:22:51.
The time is 11:08:50
